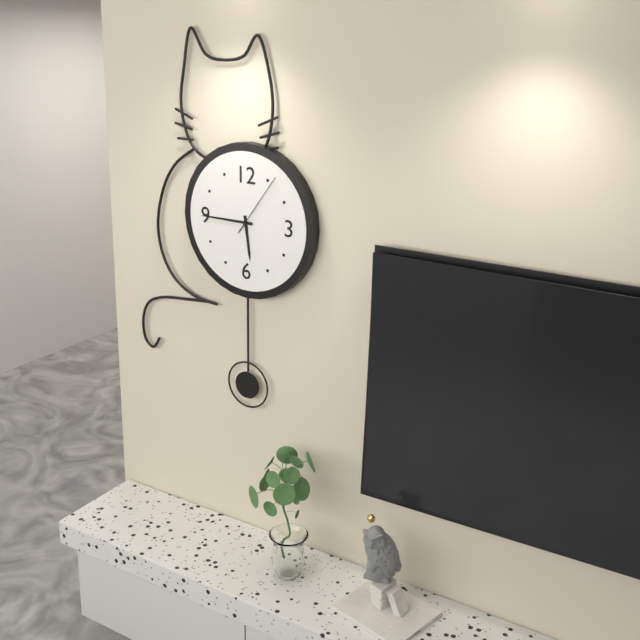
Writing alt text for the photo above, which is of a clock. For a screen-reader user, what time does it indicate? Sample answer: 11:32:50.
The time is 5:45:06
